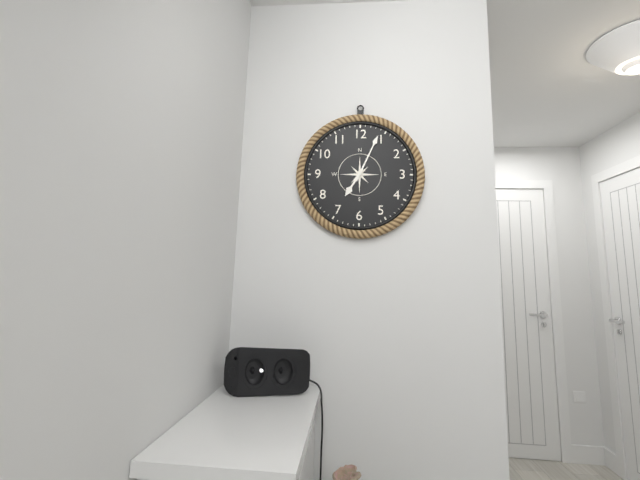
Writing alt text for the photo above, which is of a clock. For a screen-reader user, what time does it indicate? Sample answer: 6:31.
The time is 7:04
